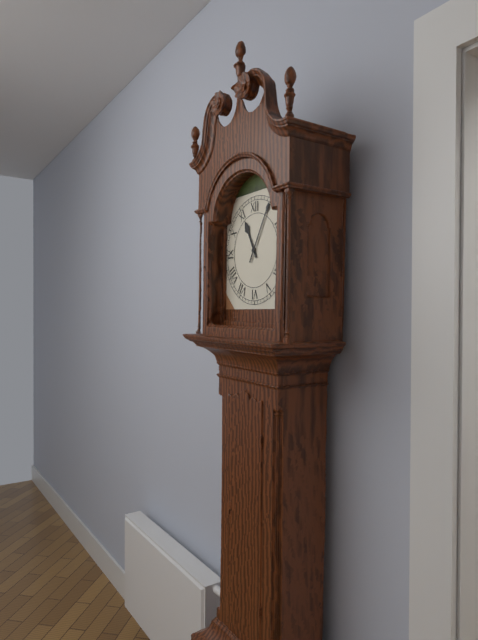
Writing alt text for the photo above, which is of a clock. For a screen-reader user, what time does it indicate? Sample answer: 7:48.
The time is 11:05
